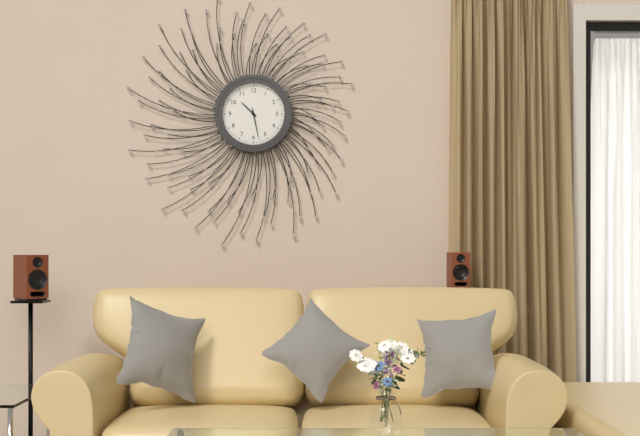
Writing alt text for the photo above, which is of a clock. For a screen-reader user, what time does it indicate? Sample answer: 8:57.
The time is 10:28
